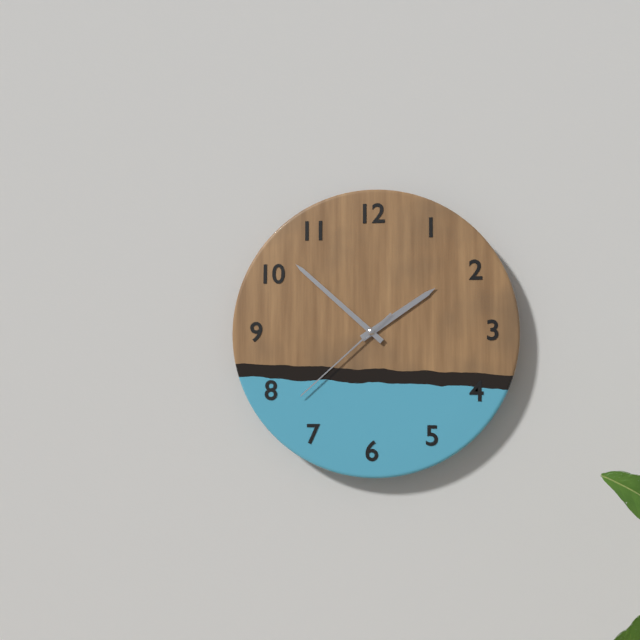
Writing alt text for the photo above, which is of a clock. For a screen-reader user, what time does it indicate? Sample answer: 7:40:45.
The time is 1:52:38
